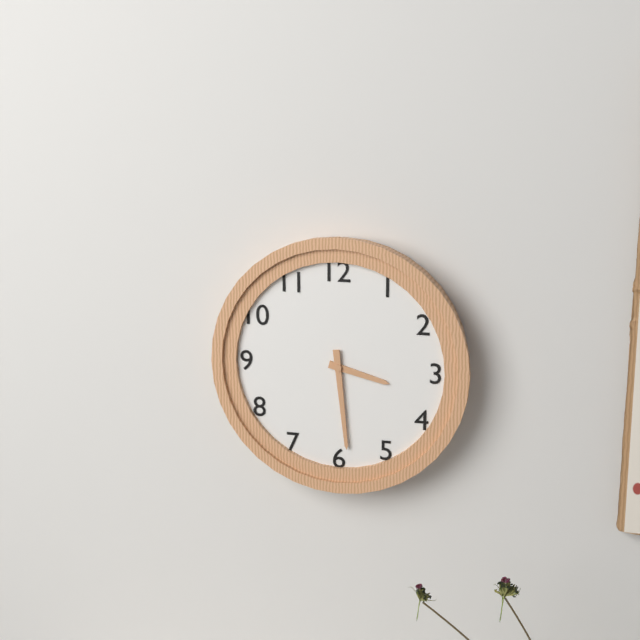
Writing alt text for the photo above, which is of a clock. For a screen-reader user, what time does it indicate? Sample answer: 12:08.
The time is 3:29
